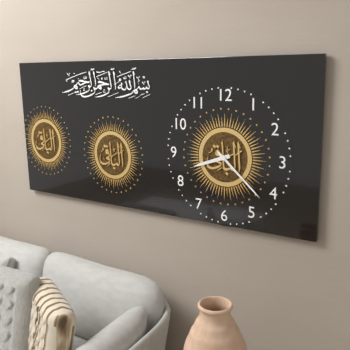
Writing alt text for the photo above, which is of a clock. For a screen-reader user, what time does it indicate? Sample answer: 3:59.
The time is 8:22
